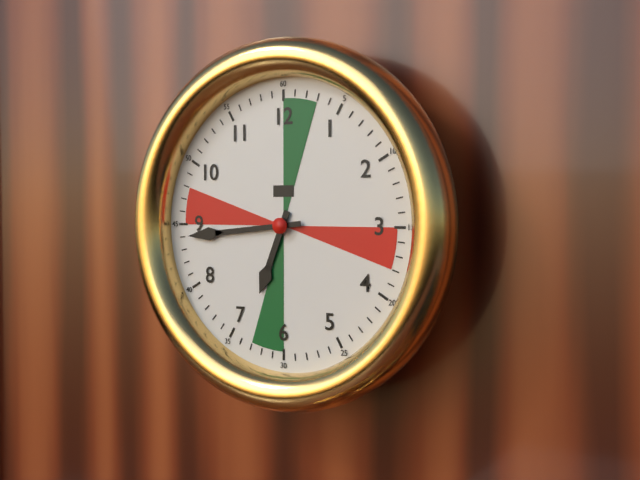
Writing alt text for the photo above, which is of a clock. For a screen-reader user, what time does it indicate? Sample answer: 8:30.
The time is 6:44
